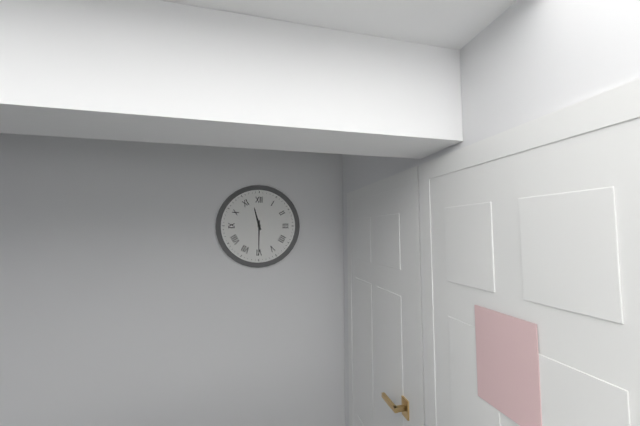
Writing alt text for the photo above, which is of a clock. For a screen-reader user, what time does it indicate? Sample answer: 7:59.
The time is 11:30
